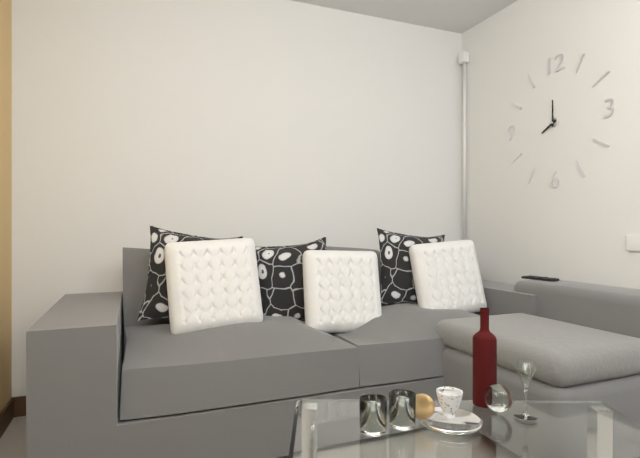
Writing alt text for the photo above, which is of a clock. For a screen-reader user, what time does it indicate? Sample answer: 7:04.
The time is 8:00
